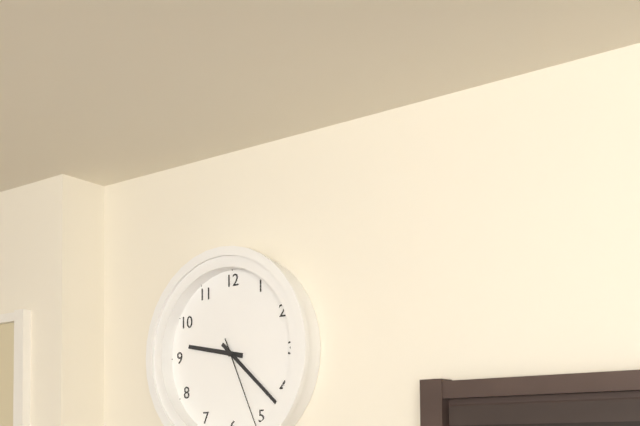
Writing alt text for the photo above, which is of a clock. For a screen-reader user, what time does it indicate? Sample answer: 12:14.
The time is 9:22
